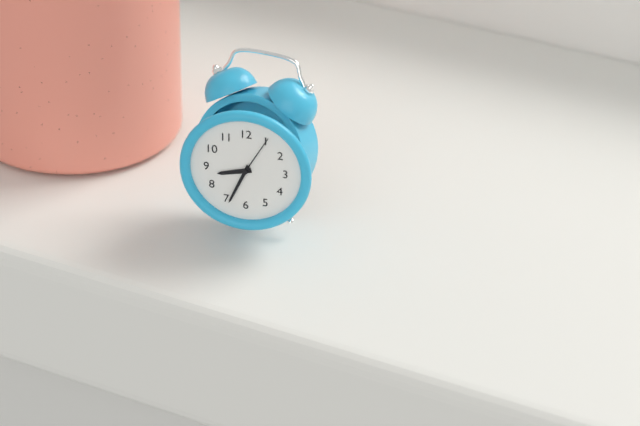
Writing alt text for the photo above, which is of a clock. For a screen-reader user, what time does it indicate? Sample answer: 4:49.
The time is 8:34
